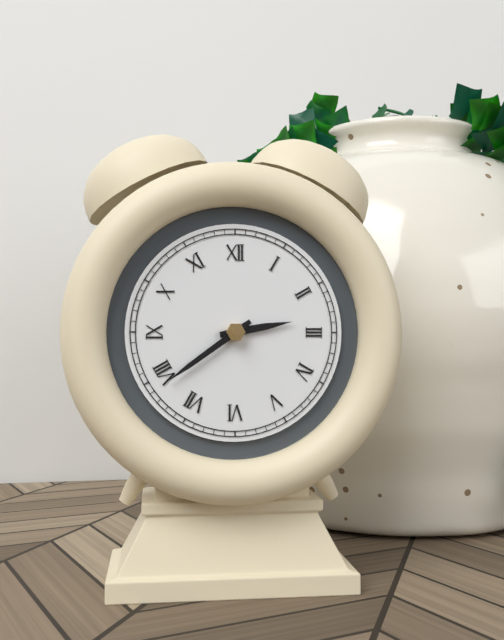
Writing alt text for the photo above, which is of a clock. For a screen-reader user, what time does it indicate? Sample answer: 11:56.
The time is 2:39
